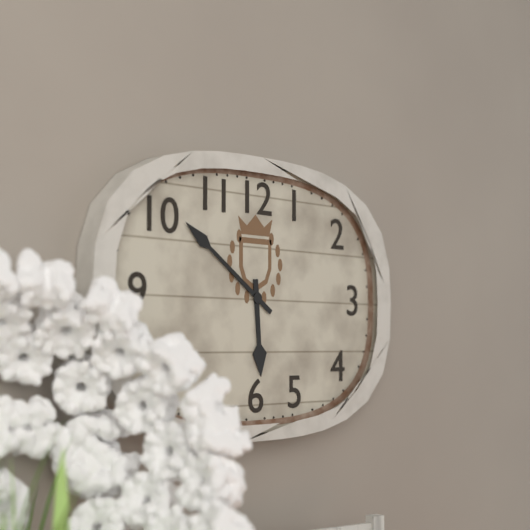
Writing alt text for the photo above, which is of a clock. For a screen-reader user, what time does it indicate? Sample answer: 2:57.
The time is 5:51
